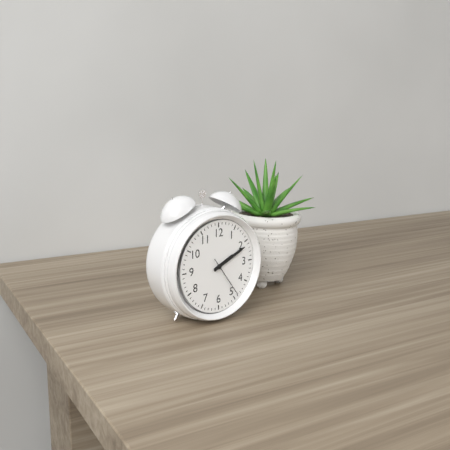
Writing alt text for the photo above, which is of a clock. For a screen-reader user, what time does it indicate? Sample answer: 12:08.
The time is 2:11
